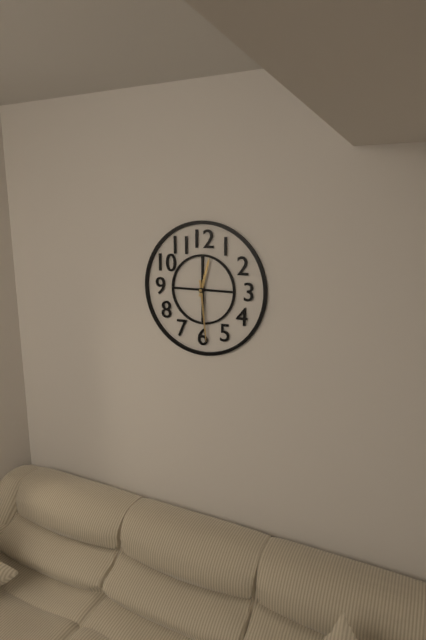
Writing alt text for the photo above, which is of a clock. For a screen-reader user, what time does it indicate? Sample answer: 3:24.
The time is 12:29
